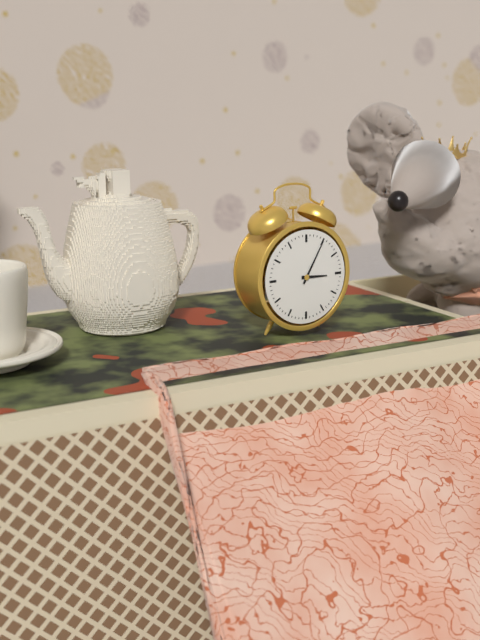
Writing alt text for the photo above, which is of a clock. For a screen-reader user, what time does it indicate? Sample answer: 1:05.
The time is 3:05
